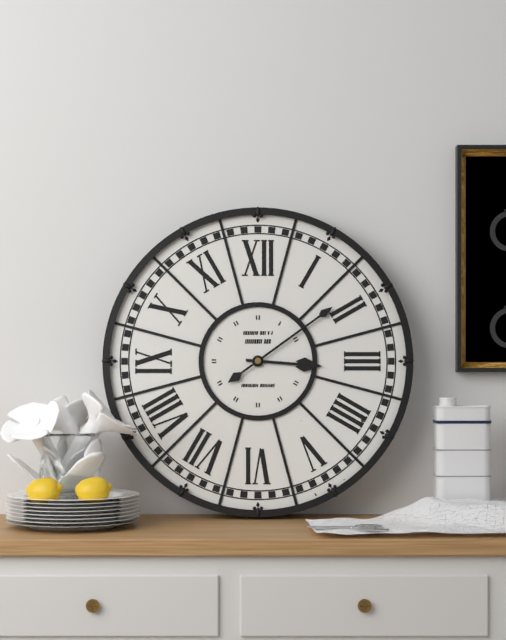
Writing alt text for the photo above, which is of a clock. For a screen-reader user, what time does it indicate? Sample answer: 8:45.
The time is 3:09
